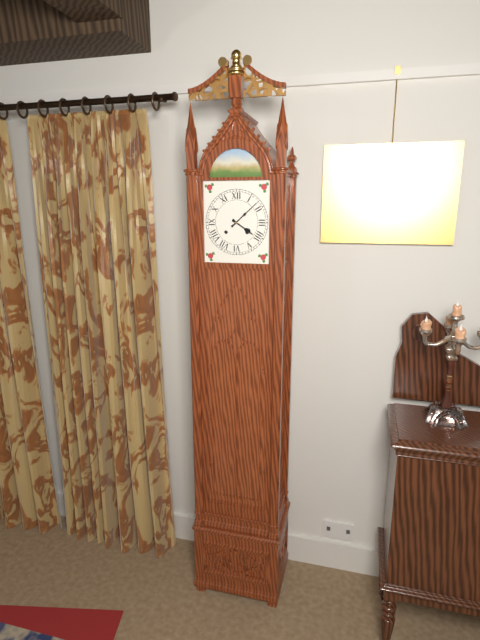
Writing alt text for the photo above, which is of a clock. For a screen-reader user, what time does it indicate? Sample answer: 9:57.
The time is 4:08
